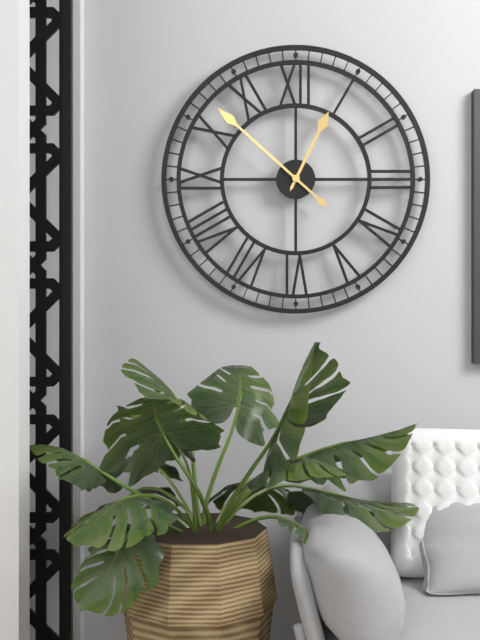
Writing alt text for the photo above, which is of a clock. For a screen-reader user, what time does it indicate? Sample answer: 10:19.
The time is 12:52
